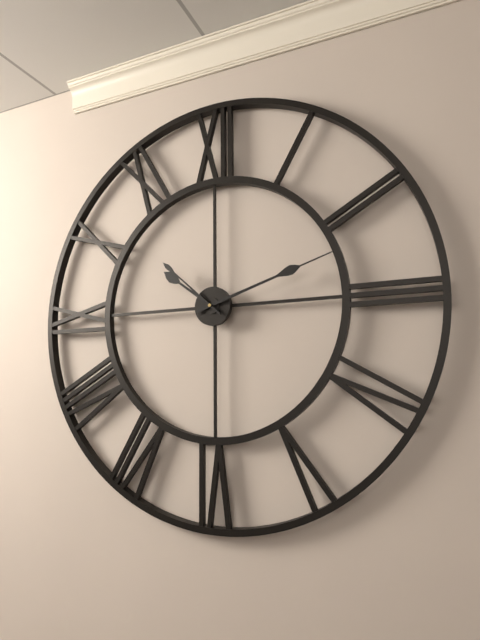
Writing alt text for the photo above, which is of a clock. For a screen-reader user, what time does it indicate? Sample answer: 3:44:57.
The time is 10:12:52
